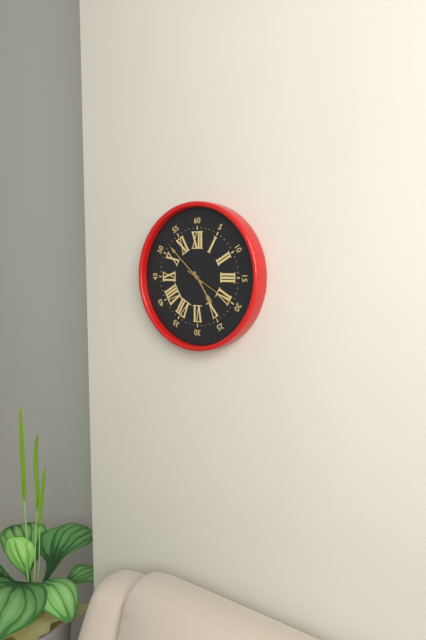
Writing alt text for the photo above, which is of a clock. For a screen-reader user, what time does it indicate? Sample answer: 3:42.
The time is 4:52
